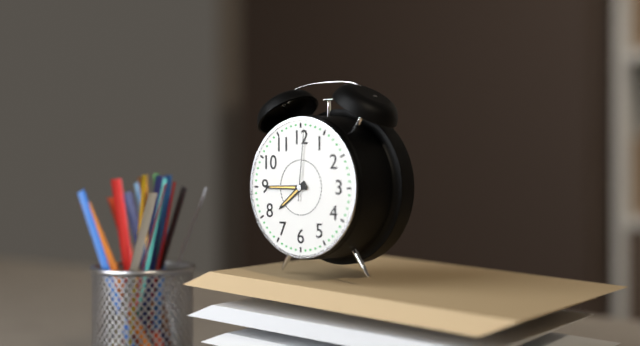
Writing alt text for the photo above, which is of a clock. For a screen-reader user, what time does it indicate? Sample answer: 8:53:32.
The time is 7:45:01
